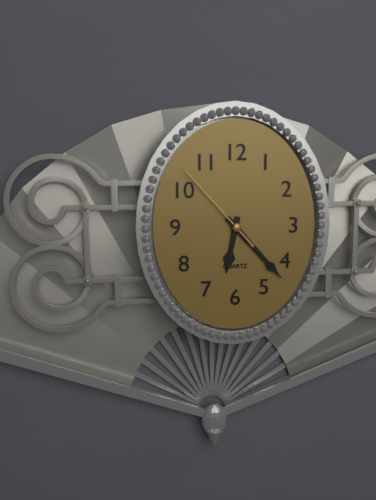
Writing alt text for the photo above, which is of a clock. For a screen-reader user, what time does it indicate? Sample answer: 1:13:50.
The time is 6:23:53
